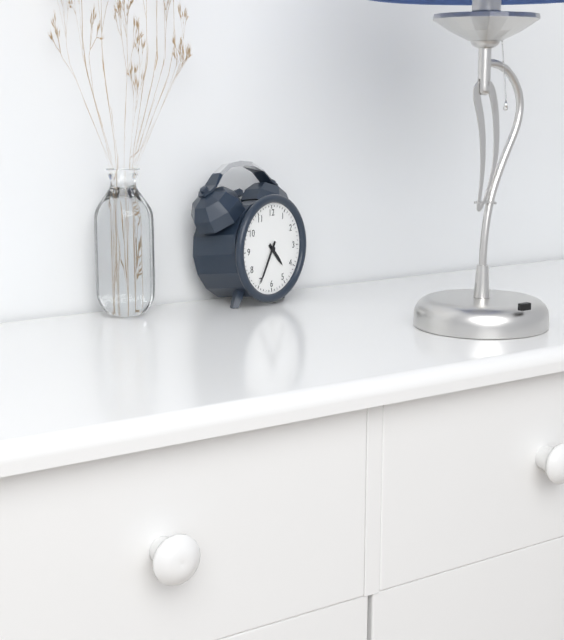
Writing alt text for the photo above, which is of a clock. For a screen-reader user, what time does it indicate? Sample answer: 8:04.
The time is 4:35
